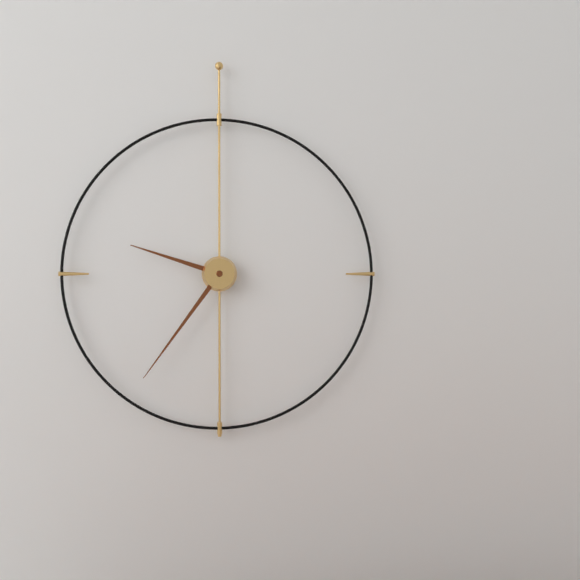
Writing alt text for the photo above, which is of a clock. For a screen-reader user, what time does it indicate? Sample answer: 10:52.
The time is 9:36
